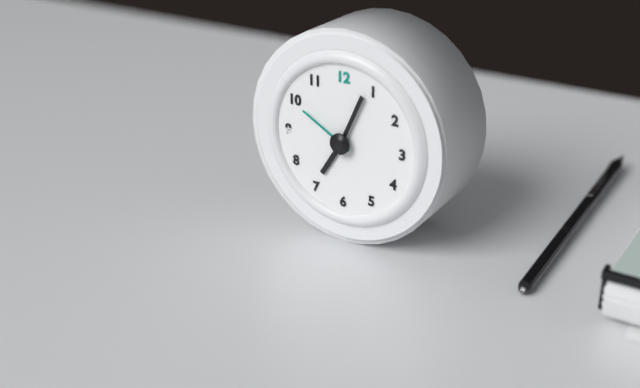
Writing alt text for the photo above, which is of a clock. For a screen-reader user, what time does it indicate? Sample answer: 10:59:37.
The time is 7:04:50
